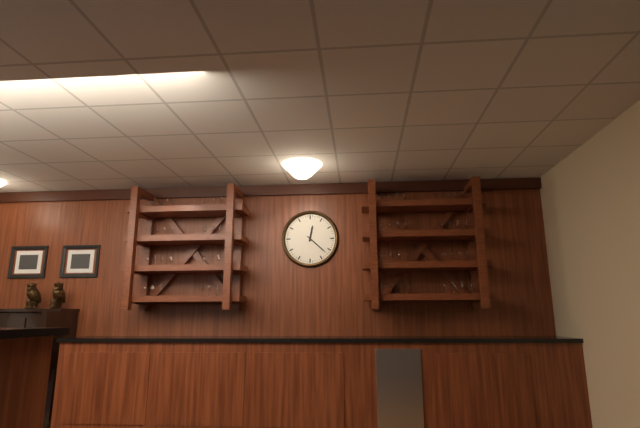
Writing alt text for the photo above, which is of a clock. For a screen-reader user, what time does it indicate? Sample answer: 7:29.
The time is 12:22
